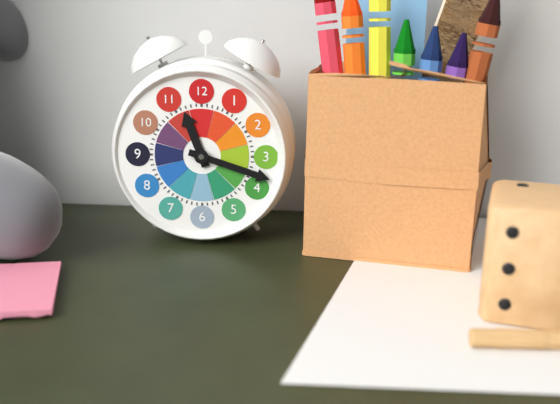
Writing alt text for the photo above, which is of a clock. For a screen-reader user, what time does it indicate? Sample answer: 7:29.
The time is 11:18
